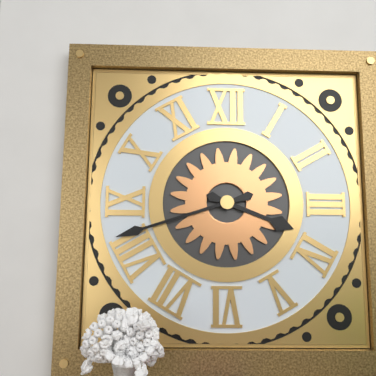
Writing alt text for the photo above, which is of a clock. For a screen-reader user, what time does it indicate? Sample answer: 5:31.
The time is 3:42
